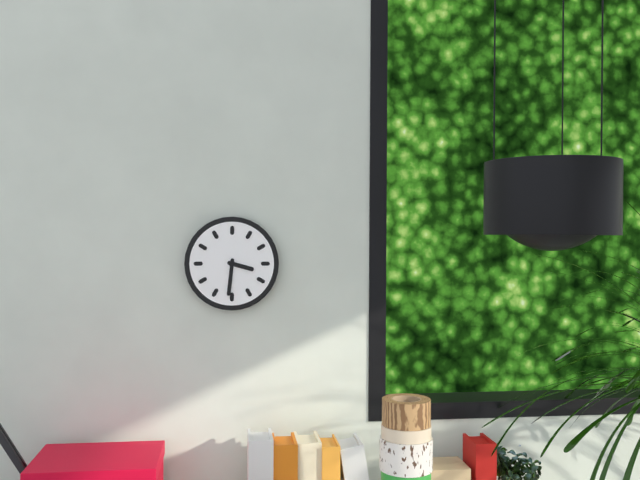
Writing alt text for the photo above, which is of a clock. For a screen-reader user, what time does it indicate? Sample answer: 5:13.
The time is 3:31
